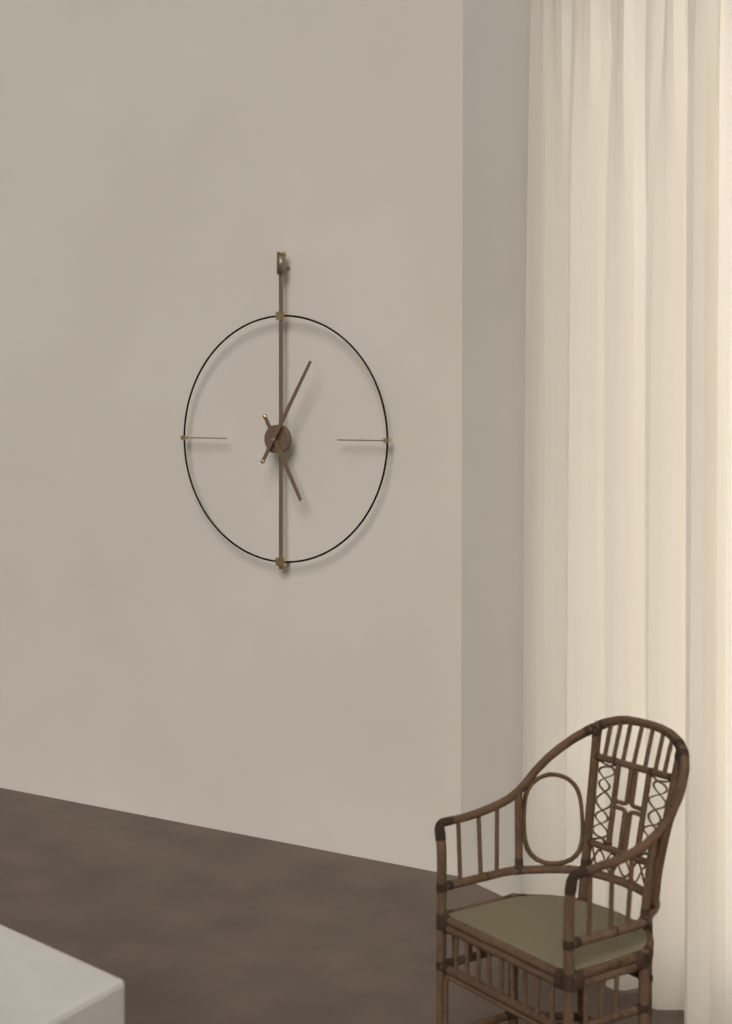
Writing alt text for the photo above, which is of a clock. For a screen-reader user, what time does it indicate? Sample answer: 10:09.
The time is 5:05
